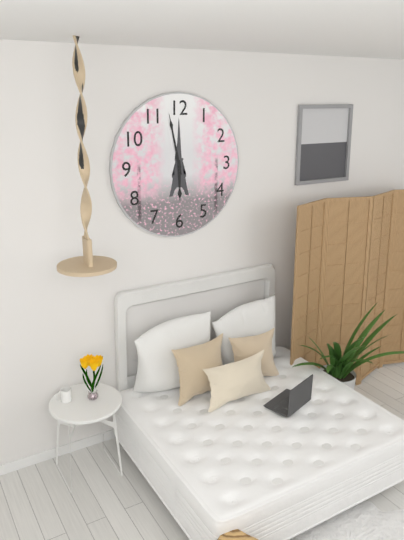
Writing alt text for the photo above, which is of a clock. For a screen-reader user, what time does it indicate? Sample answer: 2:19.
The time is 5:58
